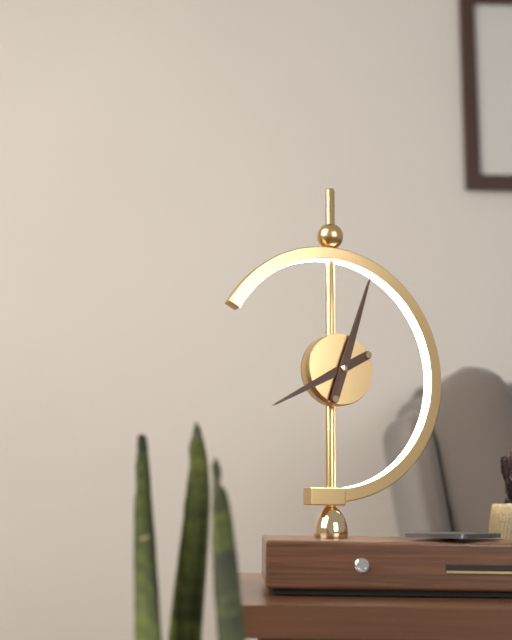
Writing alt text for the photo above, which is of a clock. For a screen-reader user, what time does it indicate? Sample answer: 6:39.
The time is 8:03
